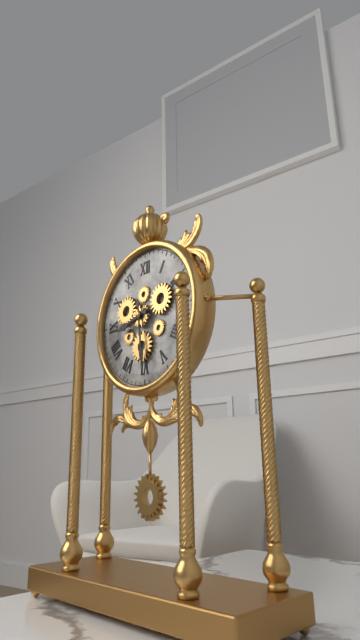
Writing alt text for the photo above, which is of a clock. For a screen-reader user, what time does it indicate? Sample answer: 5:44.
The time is 8:29
